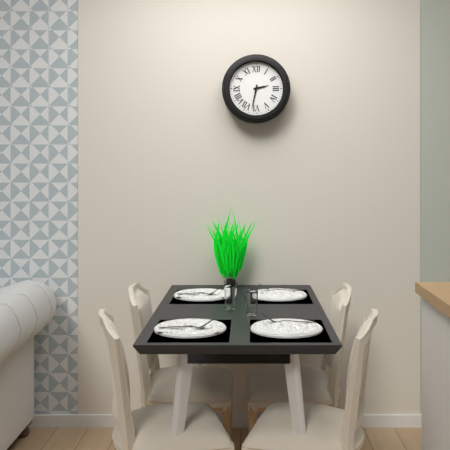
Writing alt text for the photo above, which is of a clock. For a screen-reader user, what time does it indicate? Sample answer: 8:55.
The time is 2:32
